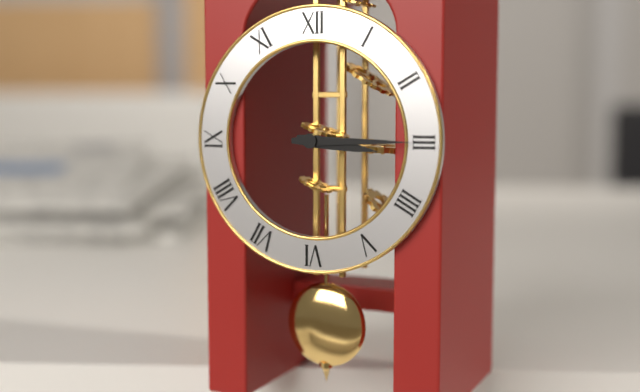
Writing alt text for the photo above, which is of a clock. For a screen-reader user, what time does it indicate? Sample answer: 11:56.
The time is 3:15
